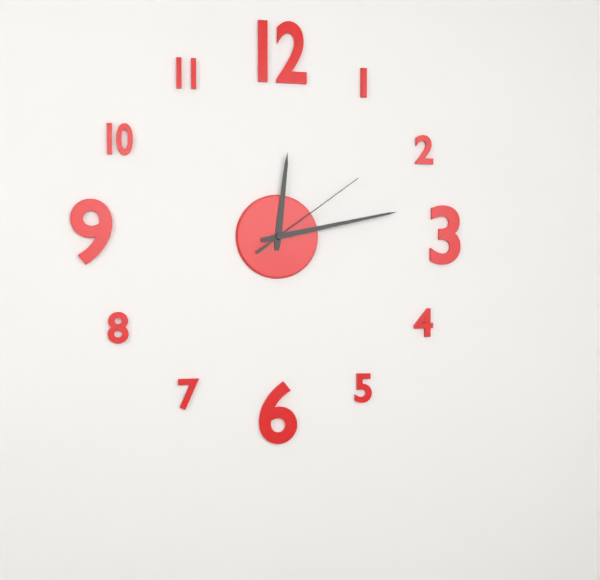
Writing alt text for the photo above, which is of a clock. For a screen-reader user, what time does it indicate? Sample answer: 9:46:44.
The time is 12:13:09
